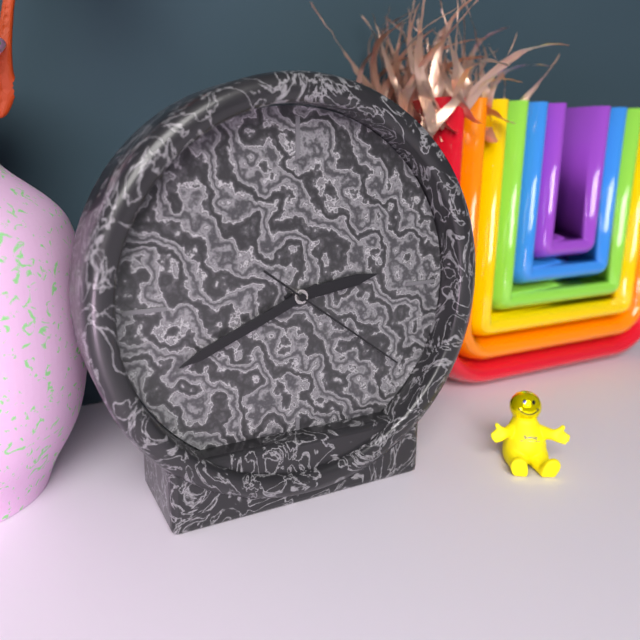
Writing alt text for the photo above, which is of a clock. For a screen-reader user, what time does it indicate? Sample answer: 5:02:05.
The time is 2:41:21
